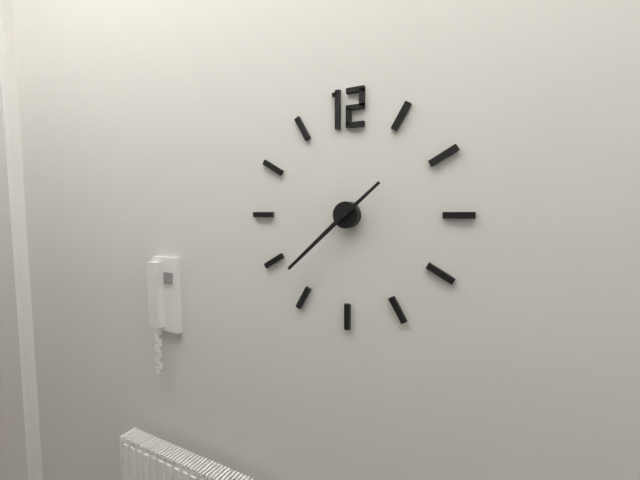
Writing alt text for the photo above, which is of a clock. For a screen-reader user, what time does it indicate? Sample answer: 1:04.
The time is 1:38
